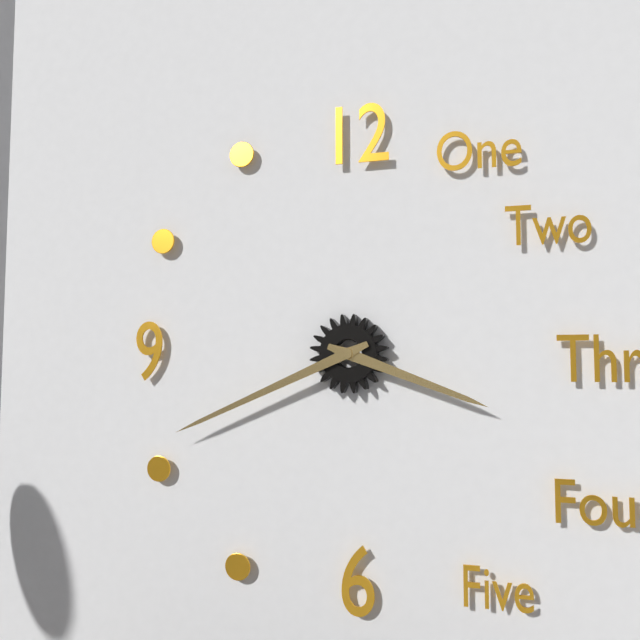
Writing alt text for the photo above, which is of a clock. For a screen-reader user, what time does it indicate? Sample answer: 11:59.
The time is 3:41
